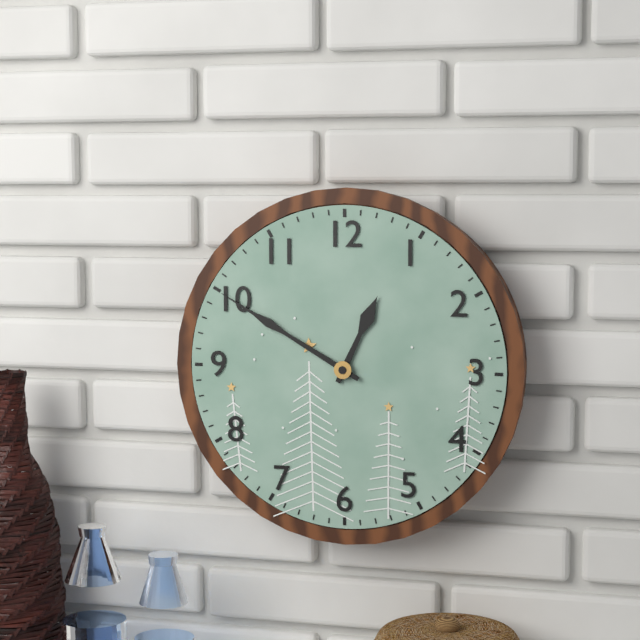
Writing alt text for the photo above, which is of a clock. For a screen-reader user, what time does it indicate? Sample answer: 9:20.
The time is 12:50
